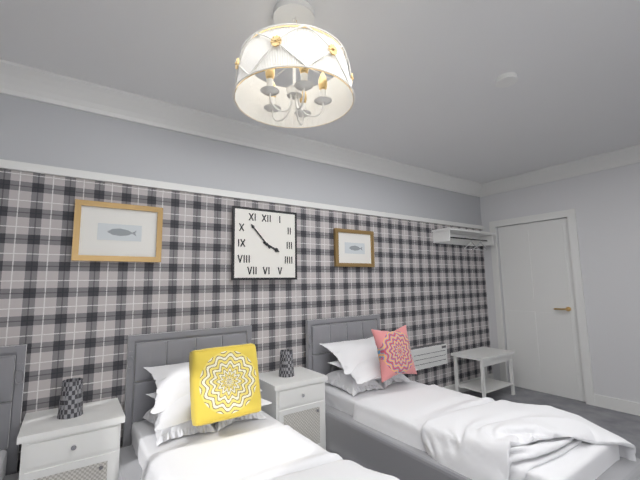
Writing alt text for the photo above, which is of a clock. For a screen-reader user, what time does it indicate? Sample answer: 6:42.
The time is 3:53
